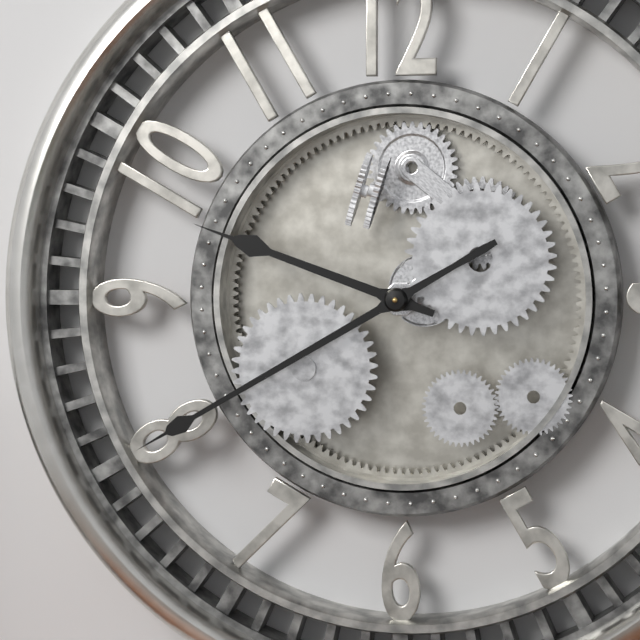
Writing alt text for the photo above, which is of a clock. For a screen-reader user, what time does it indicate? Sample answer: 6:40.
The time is 9:40
